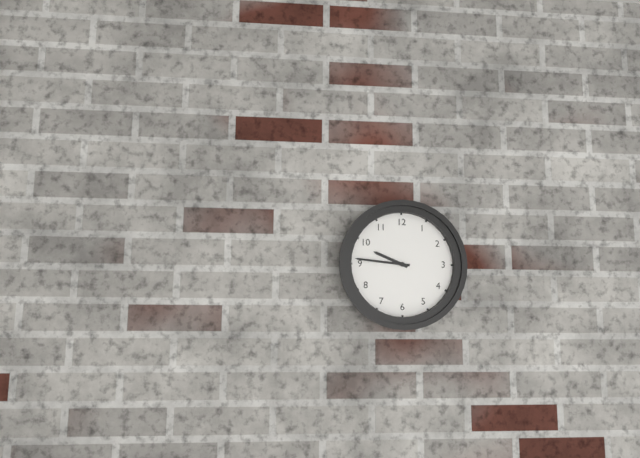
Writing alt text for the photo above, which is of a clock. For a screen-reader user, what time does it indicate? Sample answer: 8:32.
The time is 9:46
